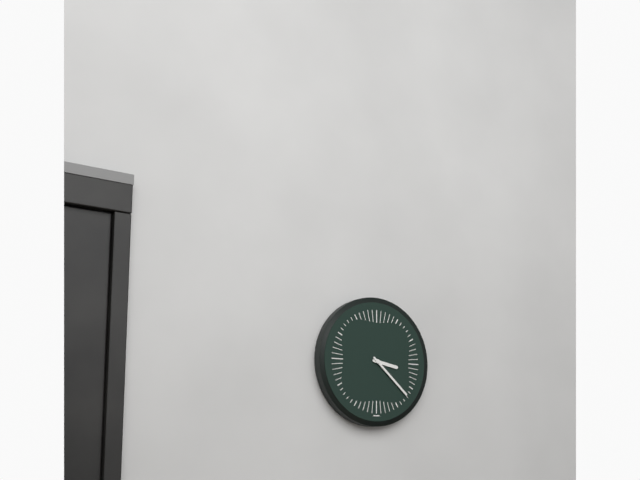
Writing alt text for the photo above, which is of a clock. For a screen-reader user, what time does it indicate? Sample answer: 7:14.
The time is 3:22
